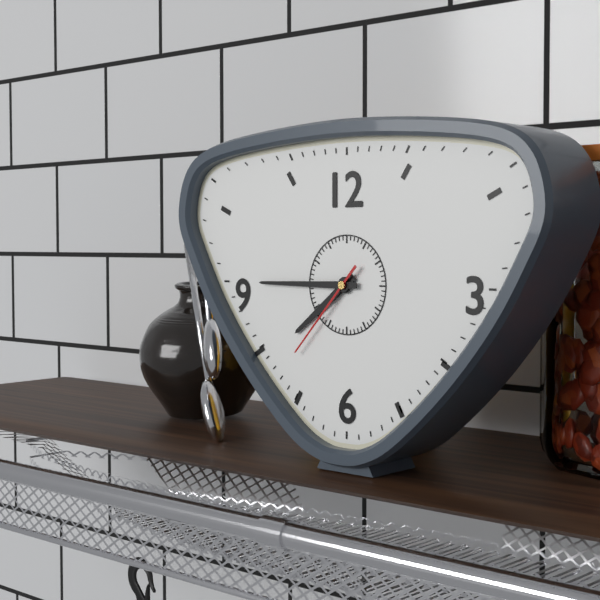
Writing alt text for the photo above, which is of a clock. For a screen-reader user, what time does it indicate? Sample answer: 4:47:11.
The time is 7:45:37
